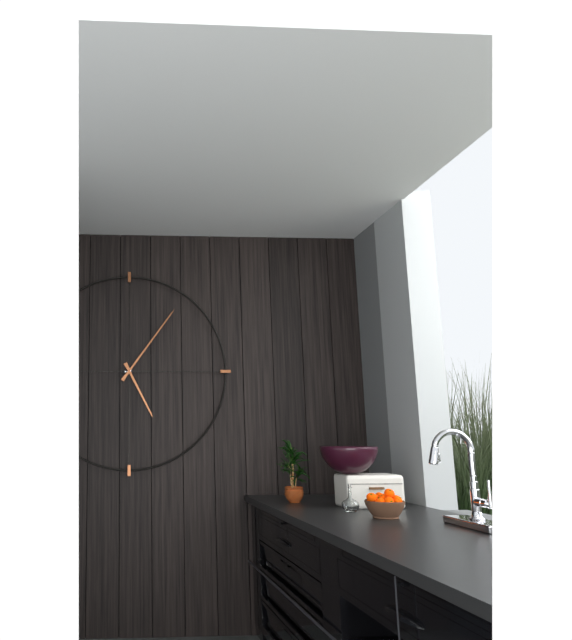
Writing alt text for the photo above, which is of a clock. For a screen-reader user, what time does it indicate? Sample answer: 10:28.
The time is 5:06
